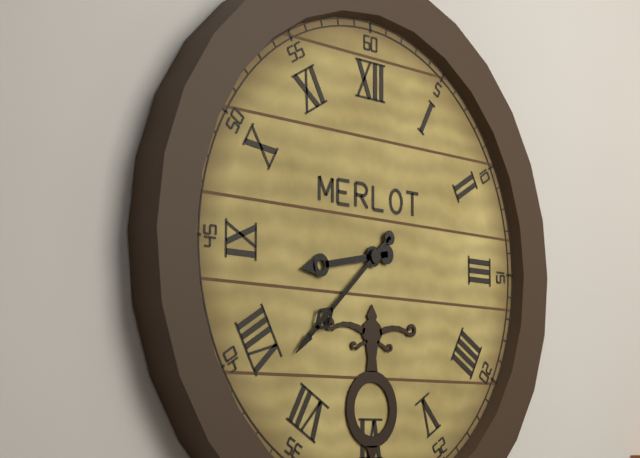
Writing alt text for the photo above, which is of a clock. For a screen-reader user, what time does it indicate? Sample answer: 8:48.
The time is 8:38
